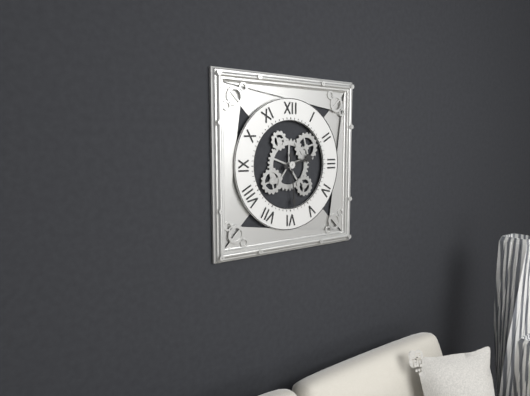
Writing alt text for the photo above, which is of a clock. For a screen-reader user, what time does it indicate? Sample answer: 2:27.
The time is 2:29
